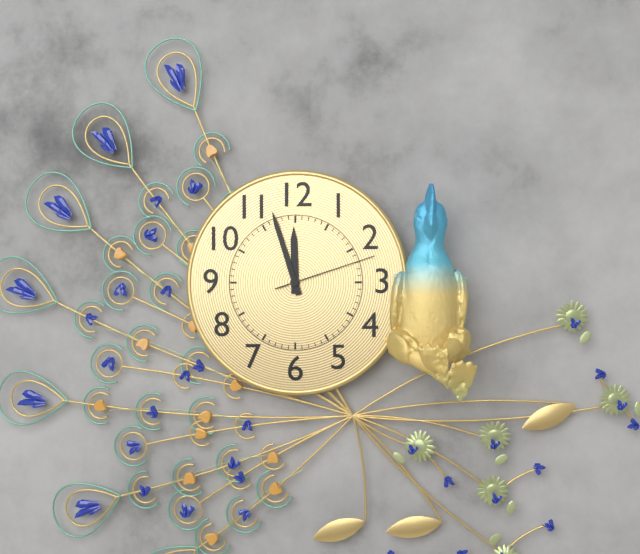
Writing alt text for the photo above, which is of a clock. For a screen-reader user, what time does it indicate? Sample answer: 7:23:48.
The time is 11:57:12
